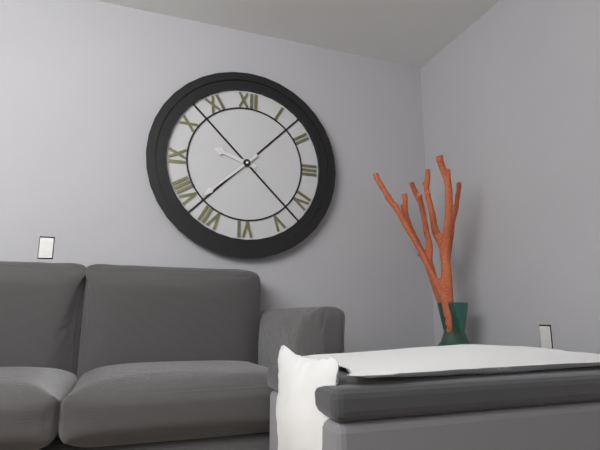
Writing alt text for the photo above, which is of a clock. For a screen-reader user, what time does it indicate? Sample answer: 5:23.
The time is 9:38
